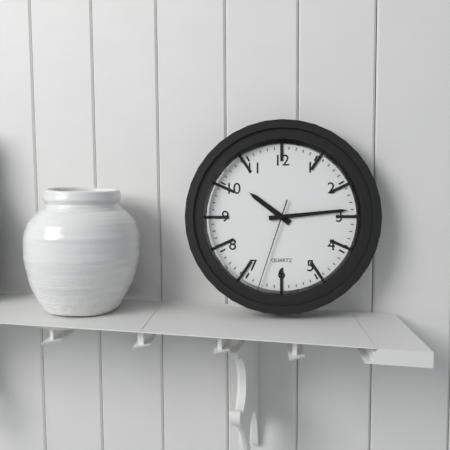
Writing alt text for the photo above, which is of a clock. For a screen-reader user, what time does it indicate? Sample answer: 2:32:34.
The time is 10:14:33
